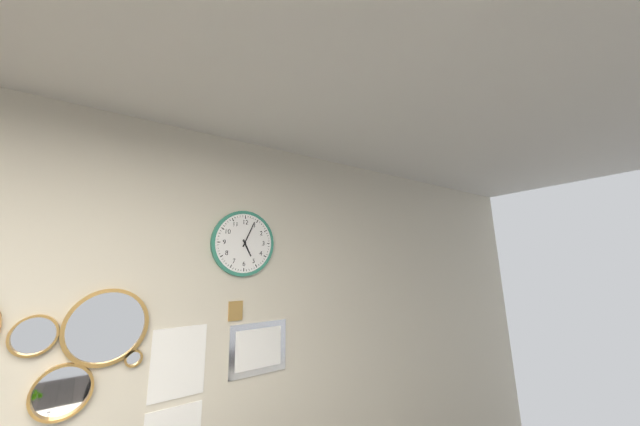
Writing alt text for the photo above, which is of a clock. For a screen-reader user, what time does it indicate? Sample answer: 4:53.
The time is 5:04
